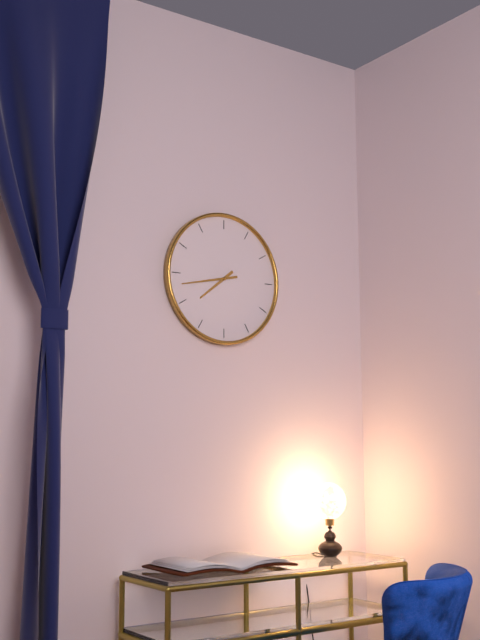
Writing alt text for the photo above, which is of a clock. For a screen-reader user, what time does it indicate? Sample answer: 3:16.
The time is 7:43
